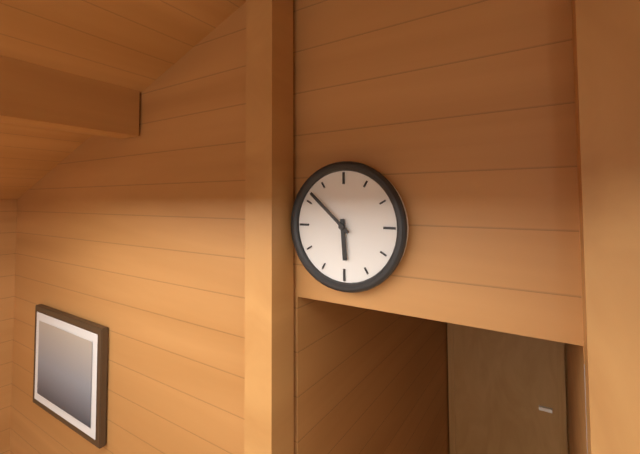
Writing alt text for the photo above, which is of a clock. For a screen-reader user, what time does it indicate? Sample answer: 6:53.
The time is 5:52
